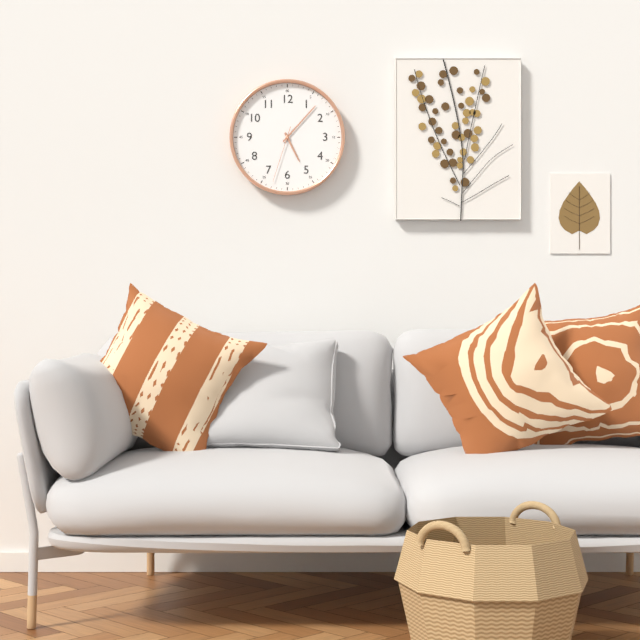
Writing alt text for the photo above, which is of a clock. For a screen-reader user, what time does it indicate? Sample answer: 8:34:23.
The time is 5:07:33
